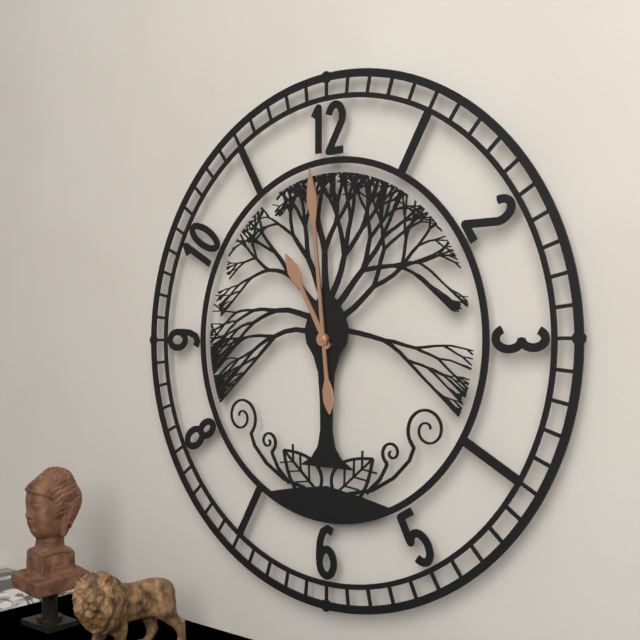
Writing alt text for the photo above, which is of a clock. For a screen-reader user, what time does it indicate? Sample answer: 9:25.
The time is 10:59
